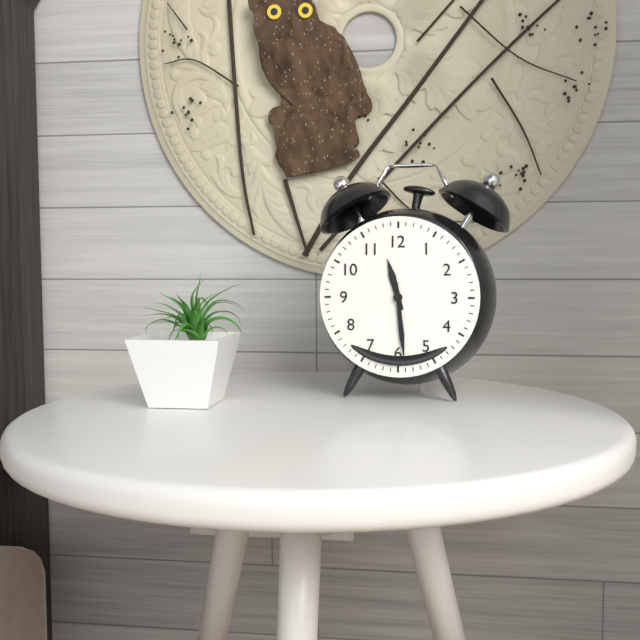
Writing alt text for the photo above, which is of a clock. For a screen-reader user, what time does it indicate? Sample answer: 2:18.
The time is 11:29
